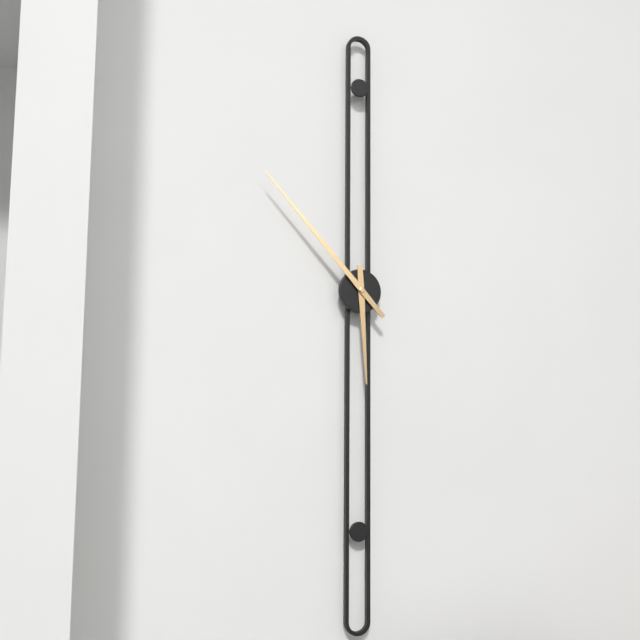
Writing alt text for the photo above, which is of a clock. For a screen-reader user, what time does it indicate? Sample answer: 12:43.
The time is 5:53
